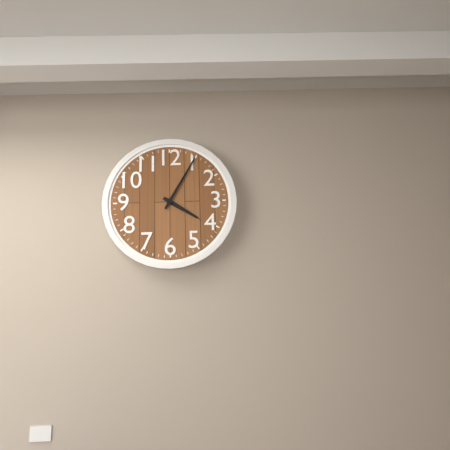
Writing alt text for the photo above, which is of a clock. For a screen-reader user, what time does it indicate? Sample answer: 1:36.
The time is 4:05
